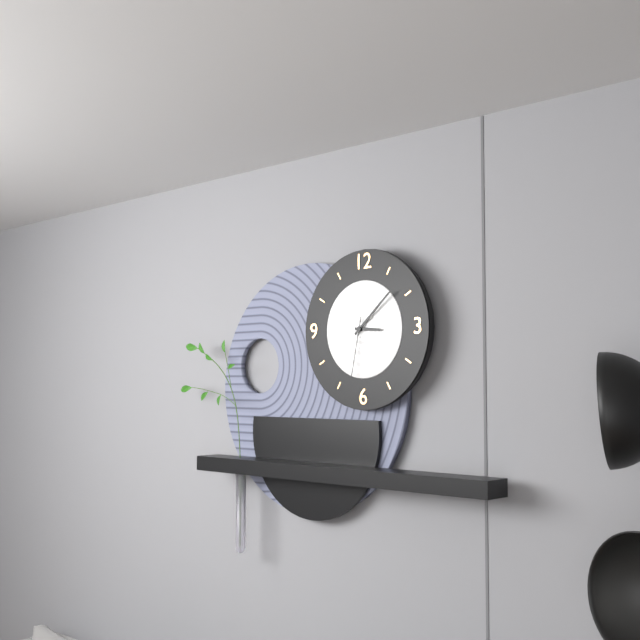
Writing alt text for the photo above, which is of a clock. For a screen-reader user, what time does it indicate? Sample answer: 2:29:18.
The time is 3:08:32
